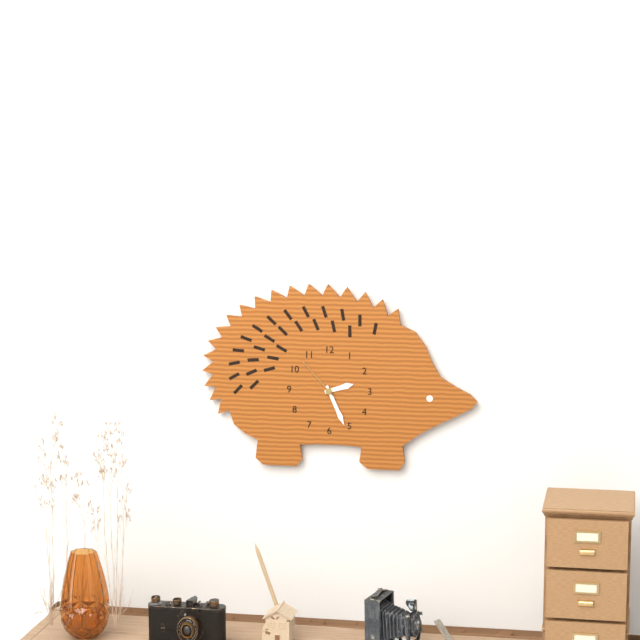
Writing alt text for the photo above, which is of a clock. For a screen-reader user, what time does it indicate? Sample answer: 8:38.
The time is 2:26
